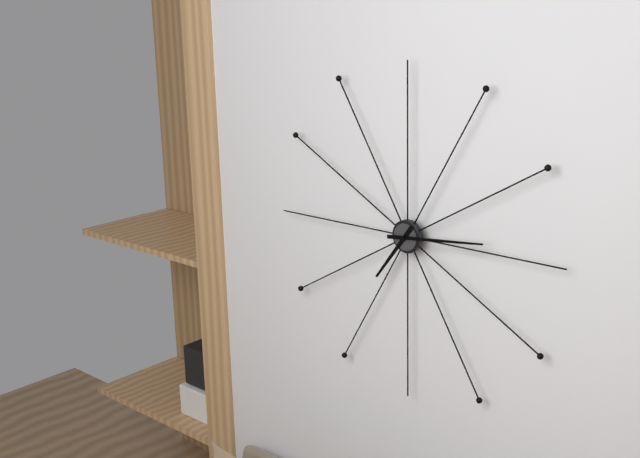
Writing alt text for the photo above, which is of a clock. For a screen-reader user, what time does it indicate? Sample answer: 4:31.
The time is 7:14
